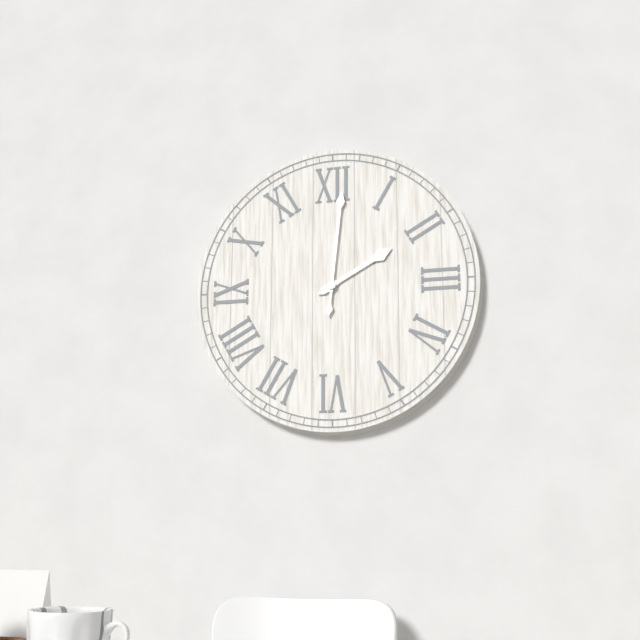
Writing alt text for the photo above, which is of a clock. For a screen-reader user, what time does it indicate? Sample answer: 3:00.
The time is 2:01
